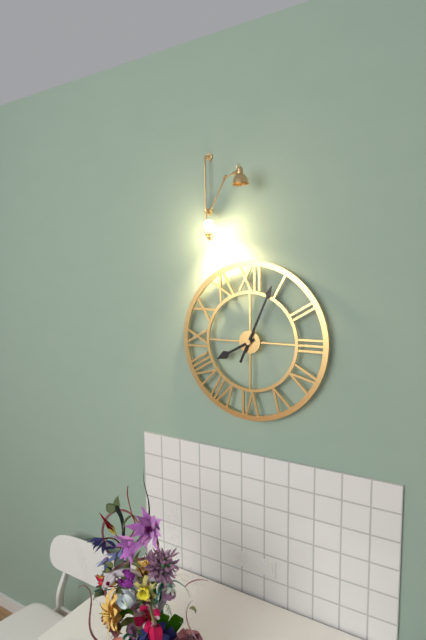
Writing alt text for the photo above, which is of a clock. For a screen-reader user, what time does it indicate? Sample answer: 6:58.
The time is 8:04
